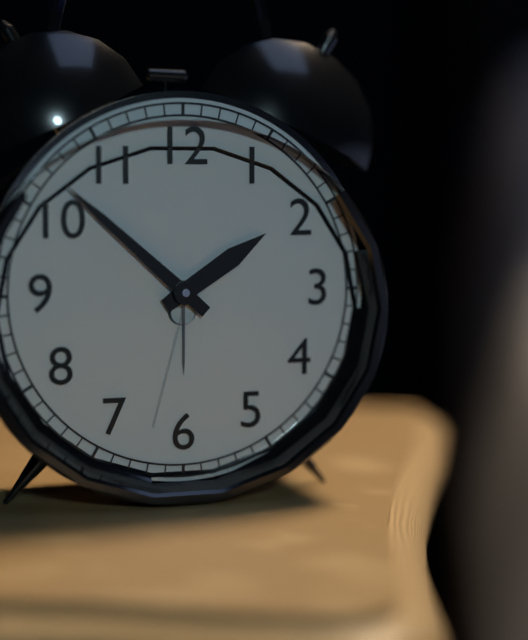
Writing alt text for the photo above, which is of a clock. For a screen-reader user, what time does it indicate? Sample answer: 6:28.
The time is 1:52
